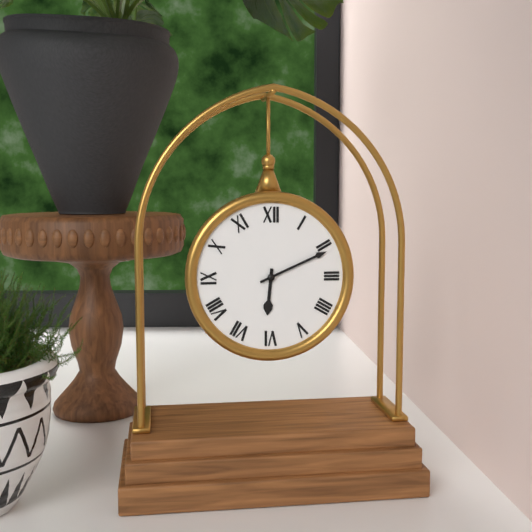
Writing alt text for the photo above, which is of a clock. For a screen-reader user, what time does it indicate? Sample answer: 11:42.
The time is 6:11
